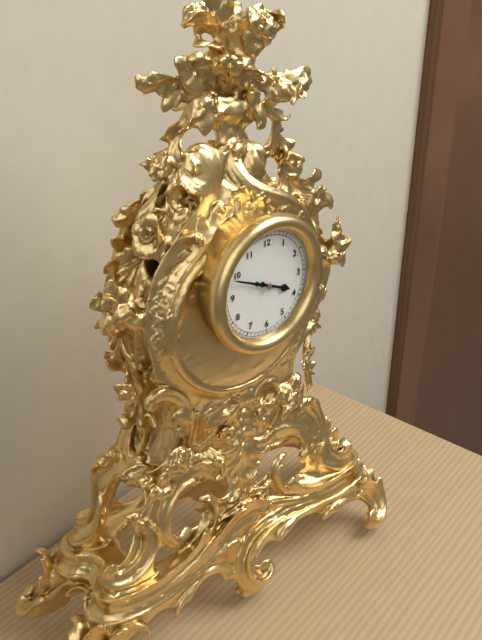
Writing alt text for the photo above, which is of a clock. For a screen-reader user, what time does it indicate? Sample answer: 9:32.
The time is 3:49
